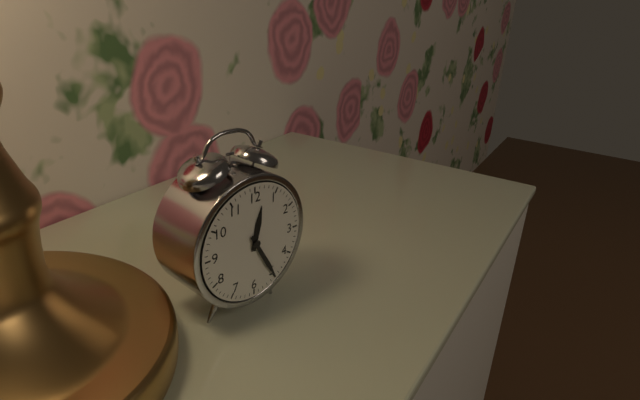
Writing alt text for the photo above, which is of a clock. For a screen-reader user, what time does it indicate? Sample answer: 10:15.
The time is 12:25
